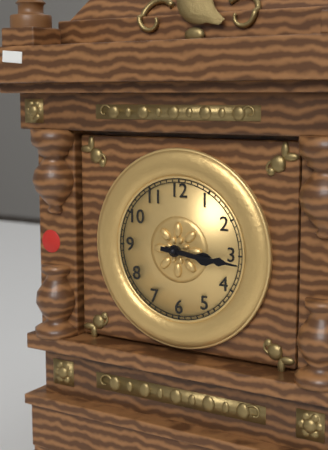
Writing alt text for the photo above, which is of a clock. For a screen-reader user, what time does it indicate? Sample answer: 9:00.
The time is 3:16
